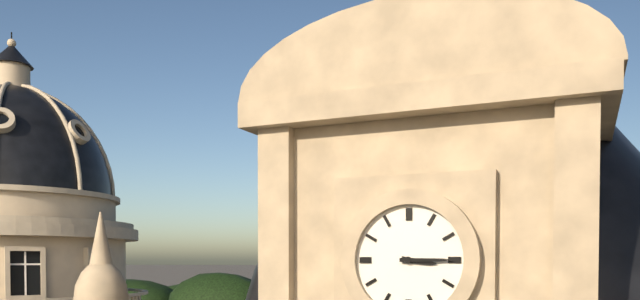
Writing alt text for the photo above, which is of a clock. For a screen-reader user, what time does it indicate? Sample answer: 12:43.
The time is 3:15
